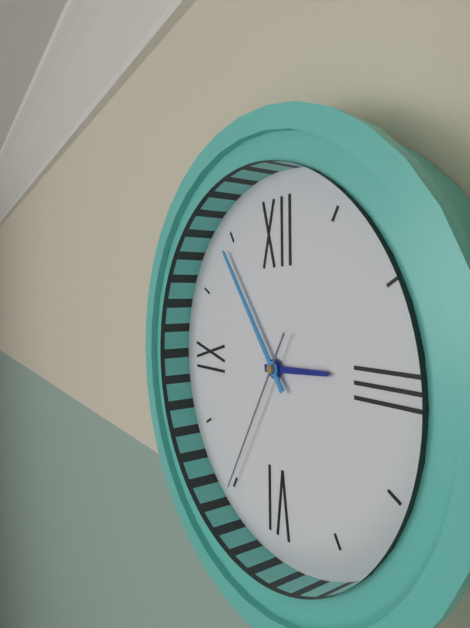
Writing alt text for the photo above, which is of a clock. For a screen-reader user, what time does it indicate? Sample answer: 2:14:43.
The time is 2:54:35
